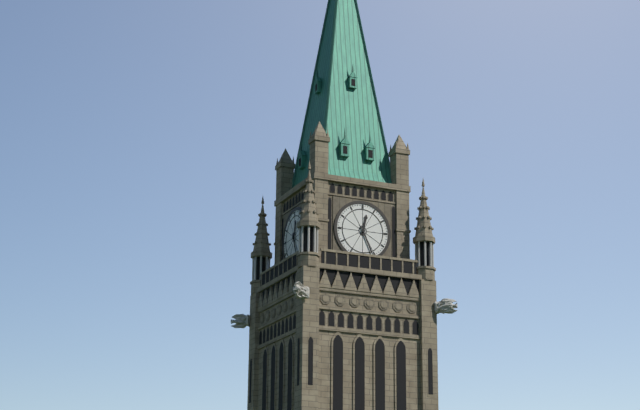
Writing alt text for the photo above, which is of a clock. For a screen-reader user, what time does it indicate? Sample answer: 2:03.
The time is 12:26
